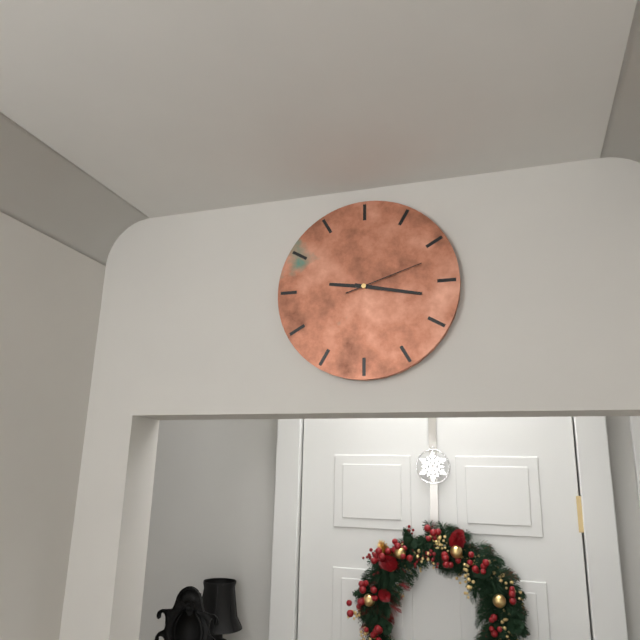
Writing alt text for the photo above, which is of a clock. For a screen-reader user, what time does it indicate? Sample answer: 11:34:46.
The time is 9:17:12
